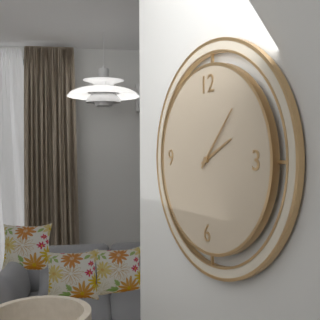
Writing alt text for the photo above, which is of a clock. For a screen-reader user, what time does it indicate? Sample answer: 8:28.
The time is 2:07
